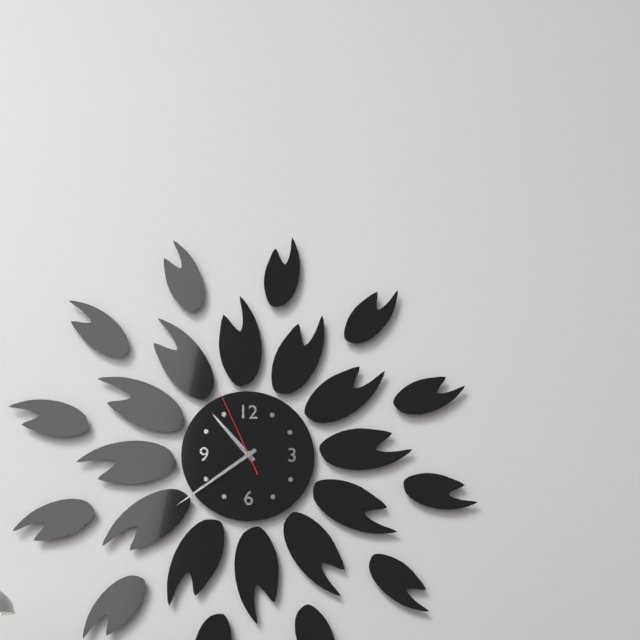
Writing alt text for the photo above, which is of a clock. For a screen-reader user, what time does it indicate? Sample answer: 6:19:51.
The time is 10:39:56
